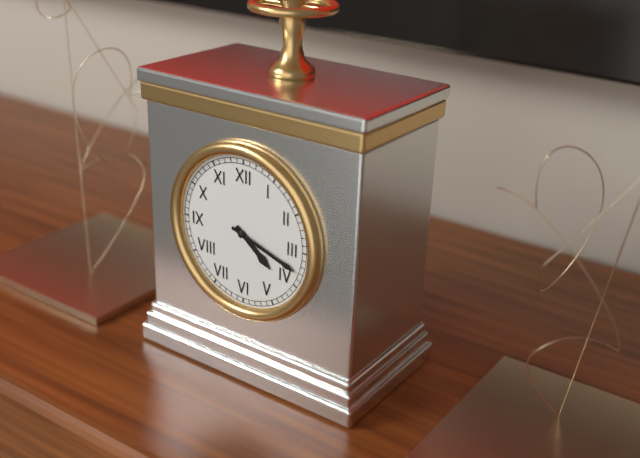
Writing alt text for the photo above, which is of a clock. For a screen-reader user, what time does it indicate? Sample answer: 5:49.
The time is 4:18
